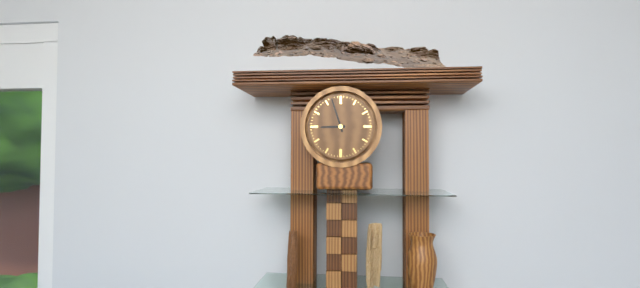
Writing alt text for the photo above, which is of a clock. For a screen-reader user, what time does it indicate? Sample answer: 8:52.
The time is 8:57
